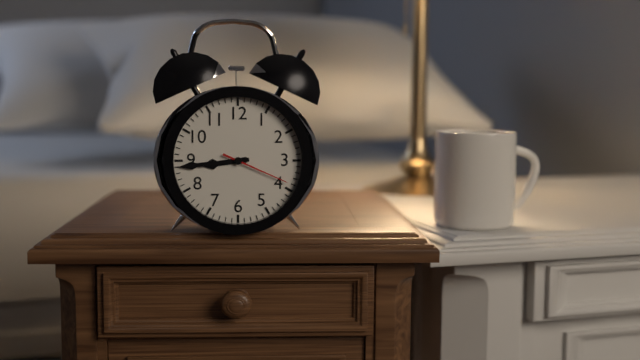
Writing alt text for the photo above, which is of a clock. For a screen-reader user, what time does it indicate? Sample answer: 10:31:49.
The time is 8:44:19
